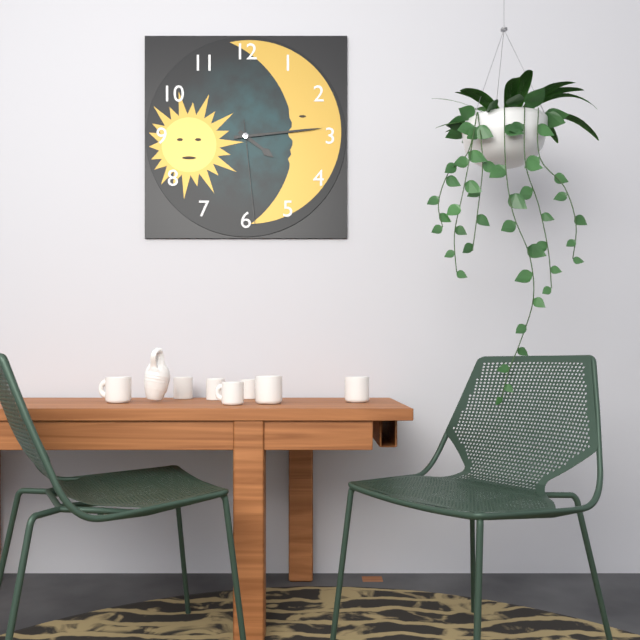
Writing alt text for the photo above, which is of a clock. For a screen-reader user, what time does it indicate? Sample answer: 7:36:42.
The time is 4:14:29
